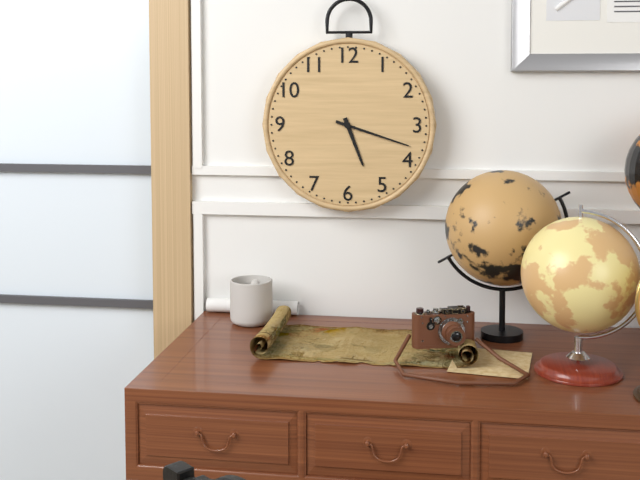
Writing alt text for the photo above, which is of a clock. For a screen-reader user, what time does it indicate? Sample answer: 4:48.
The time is 5:18
